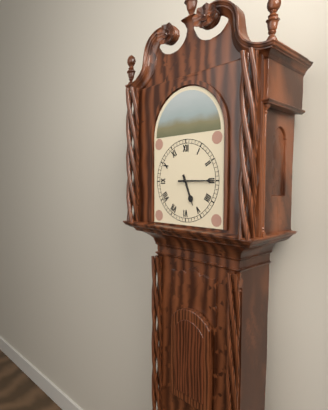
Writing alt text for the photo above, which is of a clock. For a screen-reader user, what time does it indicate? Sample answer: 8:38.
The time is 5:15
